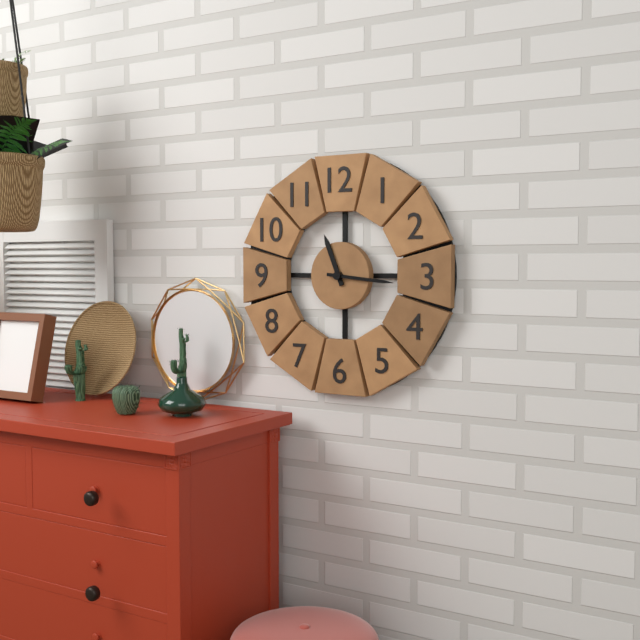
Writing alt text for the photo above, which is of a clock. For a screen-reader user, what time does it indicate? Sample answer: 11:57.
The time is 11:16
